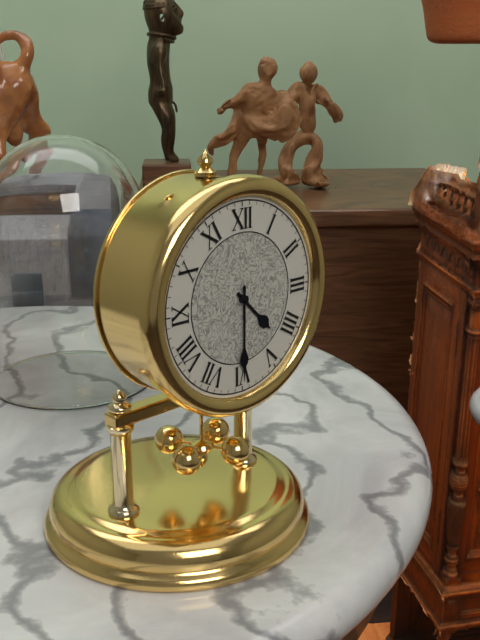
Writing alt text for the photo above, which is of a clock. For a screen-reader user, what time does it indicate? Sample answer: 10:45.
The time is 4:30
